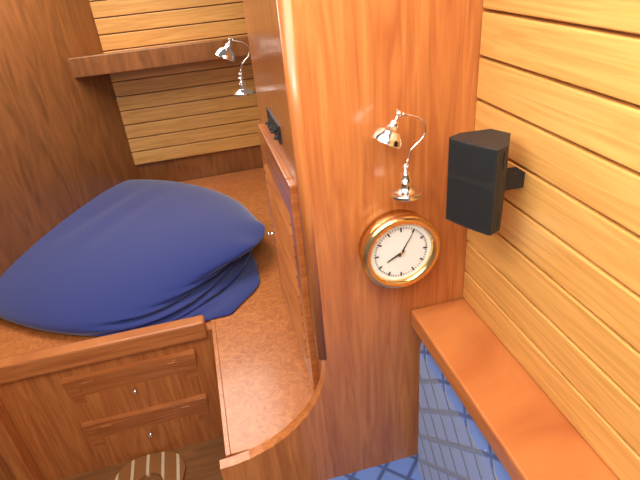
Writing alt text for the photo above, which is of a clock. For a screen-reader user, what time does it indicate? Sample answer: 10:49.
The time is 8:05
